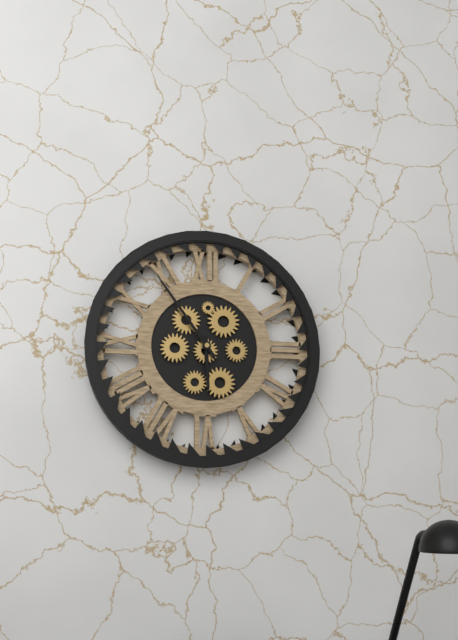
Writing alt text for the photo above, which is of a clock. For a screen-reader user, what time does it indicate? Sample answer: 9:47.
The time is 5:54
